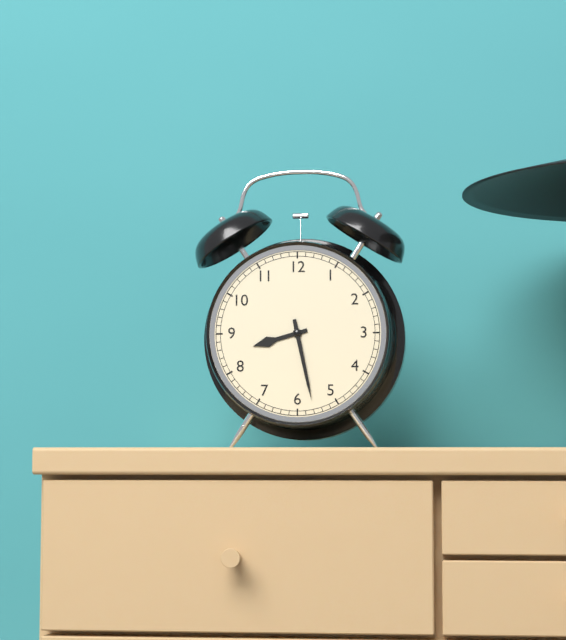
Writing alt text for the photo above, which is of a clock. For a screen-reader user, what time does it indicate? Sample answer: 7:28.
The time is 8:28
